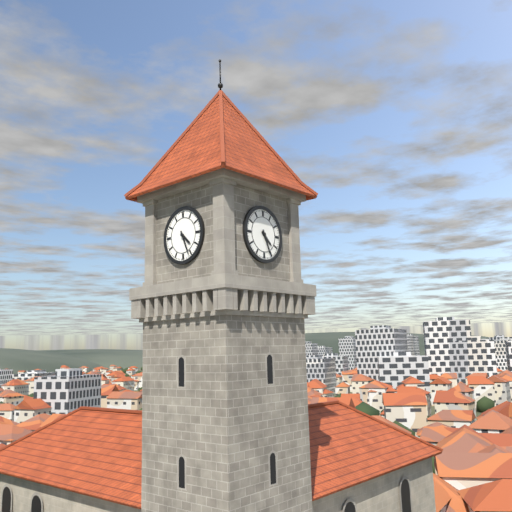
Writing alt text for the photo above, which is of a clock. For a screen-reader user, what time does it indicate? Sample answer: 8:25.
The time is 4:26
